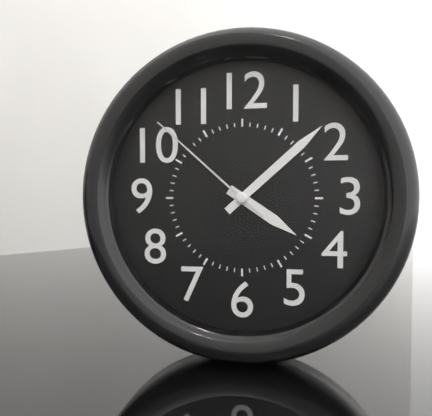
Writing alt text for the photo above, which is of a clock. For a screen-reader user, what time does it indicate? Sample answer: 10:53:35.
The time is 4:08:52
